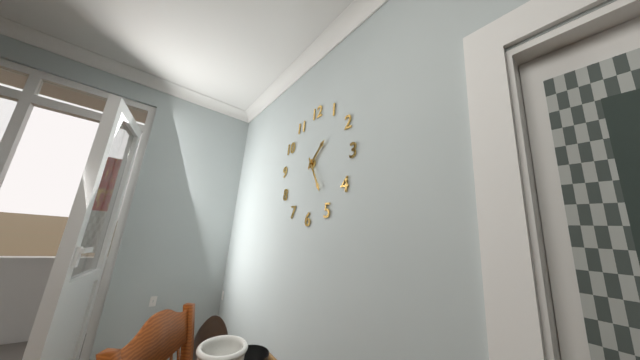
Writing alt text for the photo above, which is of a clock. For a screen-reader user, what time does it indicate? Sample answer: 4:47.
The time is 1:25
